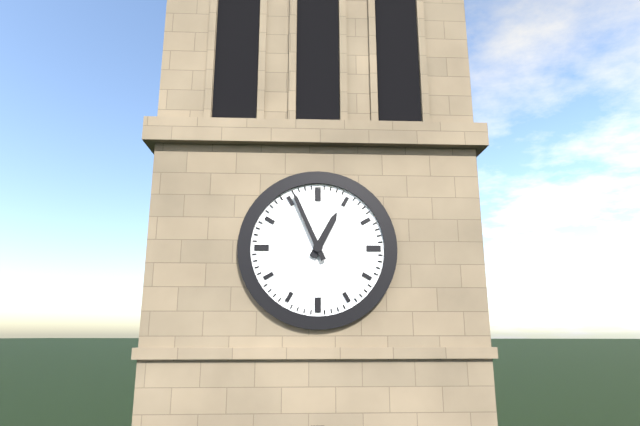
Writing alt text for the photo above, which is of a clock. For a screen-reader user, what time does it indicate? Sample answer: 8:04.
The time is 12:56
